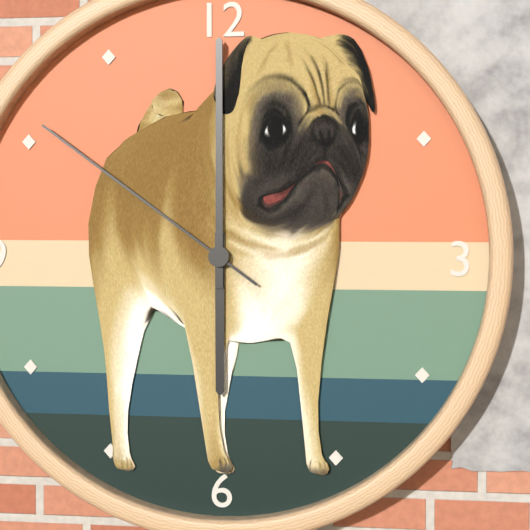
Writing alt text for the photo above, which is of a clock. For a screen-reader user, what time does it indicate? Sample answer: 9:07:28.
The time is 6:00:51
